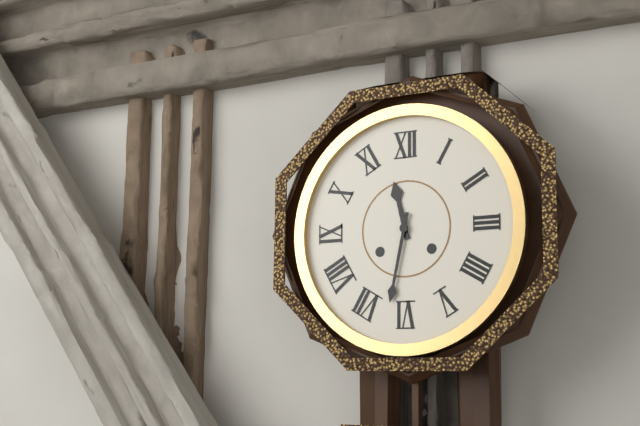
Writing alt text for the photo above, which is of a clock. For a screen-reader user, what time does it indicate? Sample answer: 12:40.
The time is 11:32
